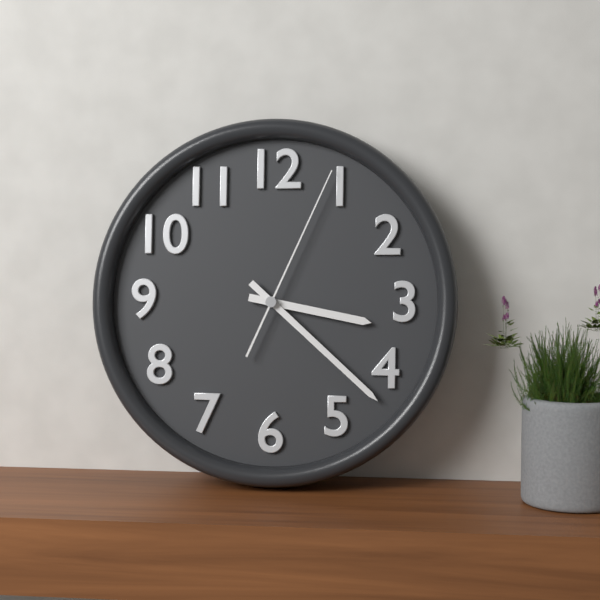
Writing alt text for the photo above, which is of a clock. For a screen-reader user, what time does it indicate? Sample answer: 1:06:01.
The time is 3:22:04
